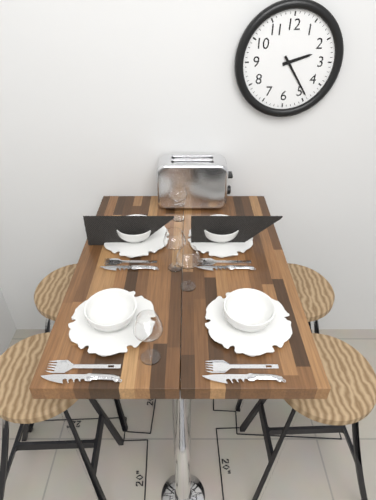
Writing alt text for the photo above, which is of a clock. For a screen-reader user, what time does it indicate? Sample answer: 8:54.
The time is 2:24
